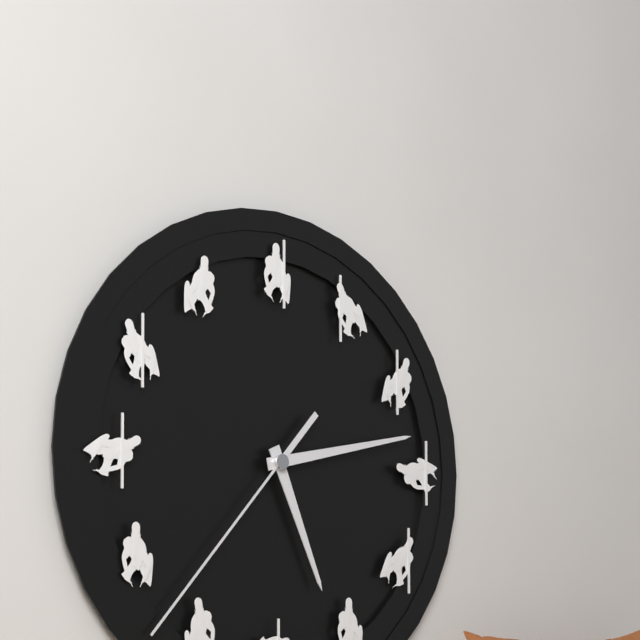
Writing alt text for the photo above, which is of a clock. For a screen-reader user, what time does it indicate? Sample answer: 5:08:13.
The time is 5:13:37
